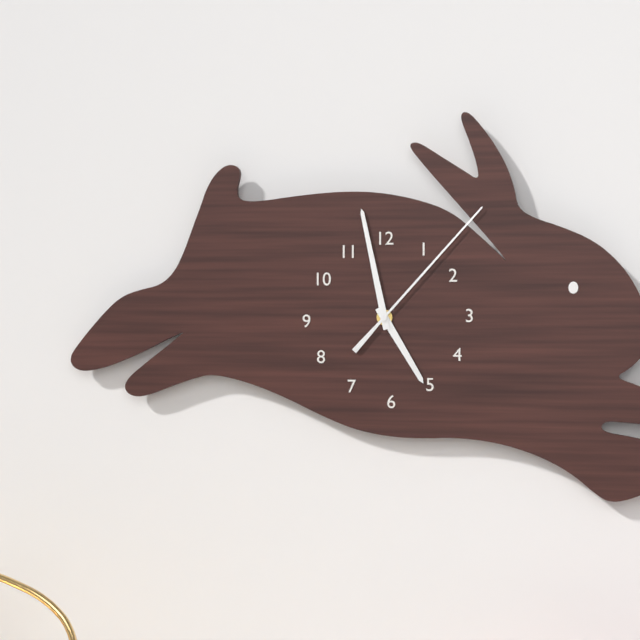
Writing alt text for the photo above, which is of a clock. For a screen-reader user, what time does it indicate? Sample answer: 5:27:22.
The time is 4:58:07
